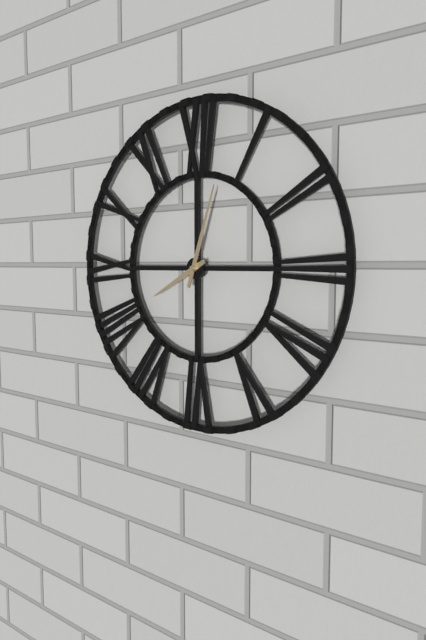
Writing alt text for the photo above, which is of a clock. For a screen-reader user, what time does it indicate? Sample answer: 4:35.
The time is 8:03
